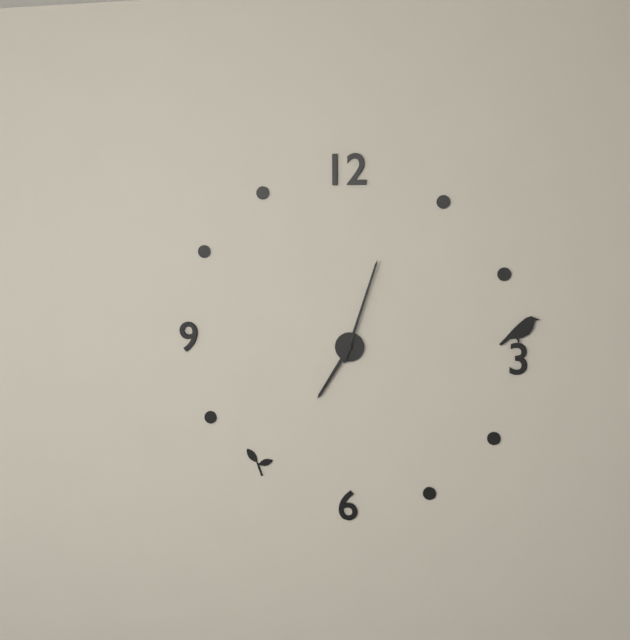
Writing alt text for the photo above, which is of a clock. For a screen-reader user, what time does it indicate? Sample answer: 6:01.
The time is 7:03
